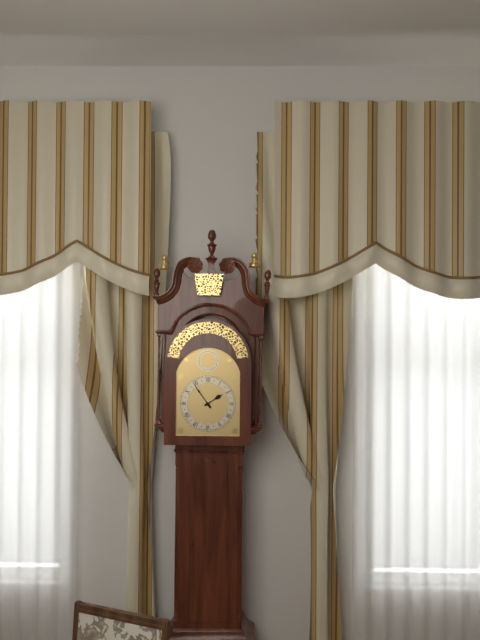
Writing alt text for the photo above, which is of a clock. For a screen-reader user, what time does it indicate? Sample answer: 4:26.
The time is 1:54
